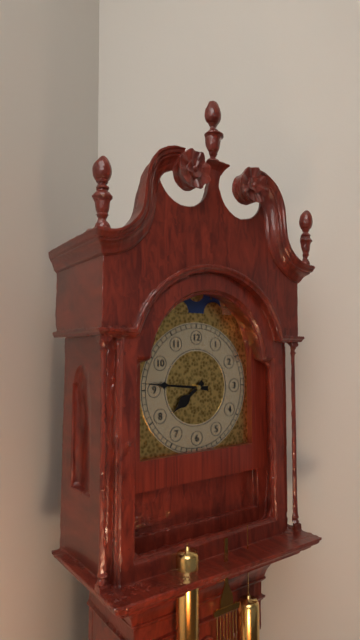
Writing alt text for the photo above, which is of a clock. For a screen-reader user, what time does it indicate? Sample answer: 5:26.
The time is 7:46
